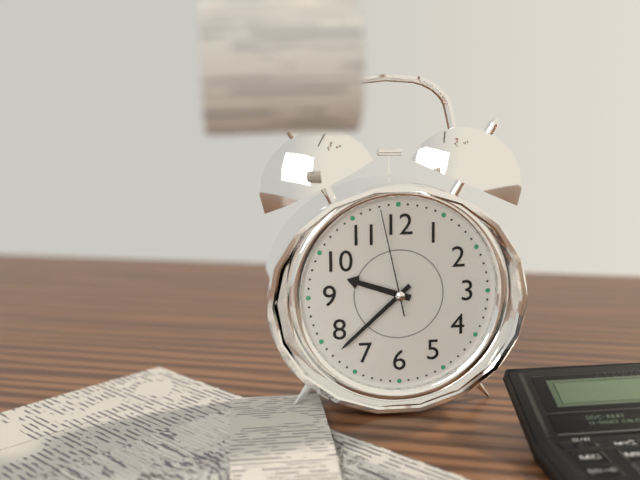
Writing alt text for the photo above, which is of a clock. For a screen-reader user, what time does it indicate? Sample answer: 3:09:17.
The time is 9:38:58
